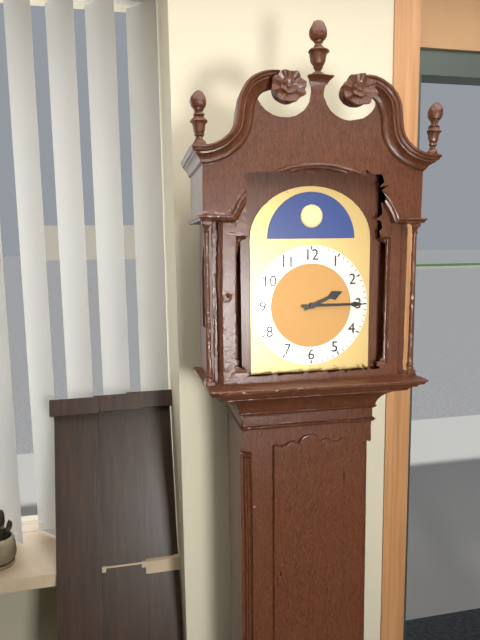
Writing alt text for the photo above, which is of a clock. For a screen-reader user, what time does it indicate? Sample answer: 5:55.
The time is 2:15
